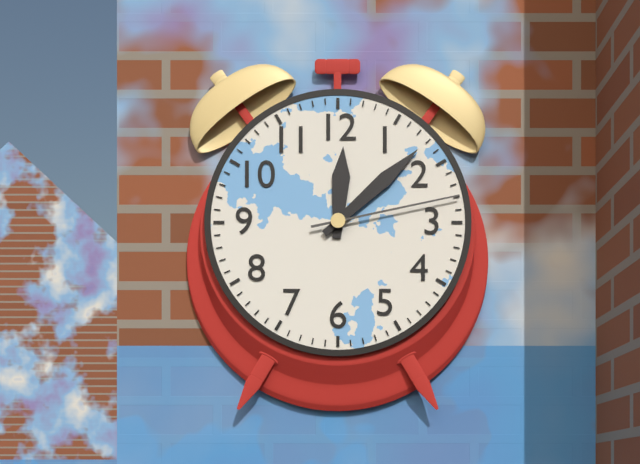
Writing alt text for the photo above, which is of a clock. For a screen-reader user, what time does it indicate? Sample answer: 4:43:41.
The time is 12:08:13
